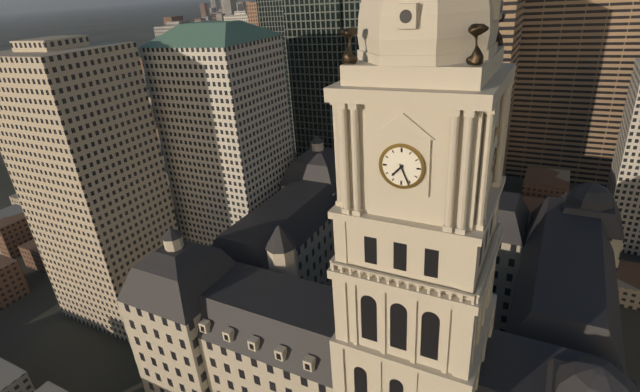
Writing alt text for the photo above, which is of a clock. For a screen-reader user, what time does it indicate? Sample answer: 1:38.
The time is 7:26
